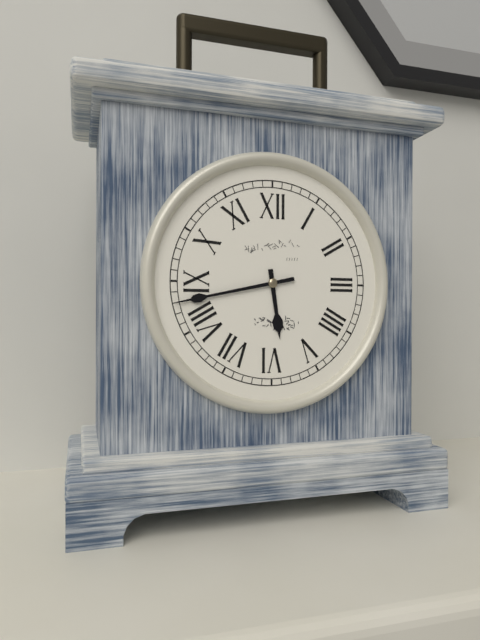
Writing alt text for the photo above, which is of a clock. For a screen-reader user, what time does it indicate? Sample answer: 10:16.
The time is 5:43
